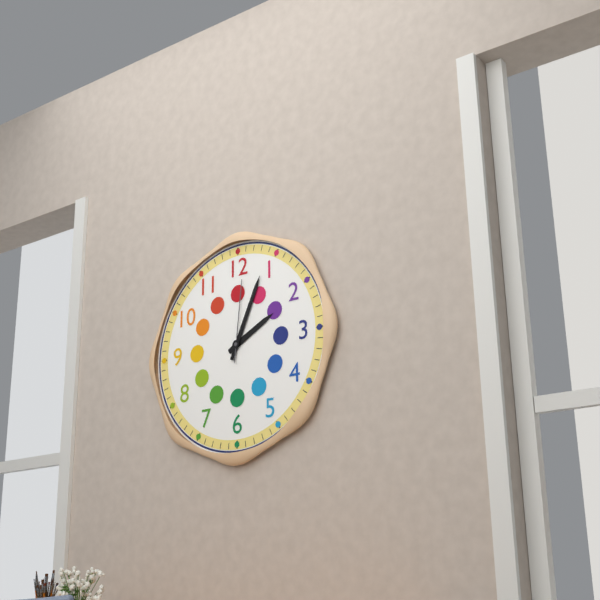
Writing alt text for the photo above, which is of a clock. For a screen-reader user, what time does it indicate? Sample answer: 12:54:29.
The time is 2:04:01
